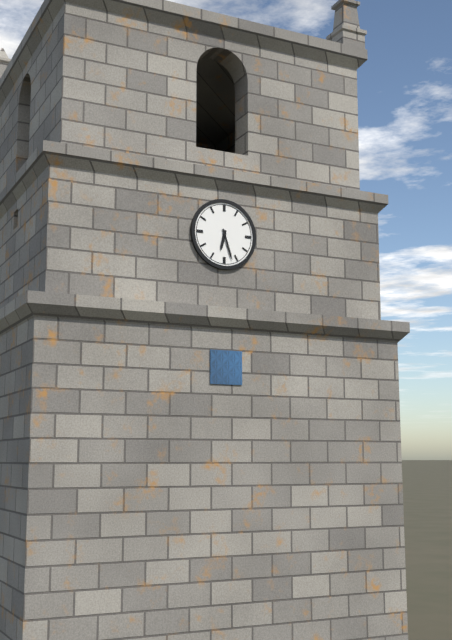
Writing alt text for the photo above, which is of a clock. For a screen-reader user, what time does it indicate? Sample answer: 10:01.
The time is 6:27
